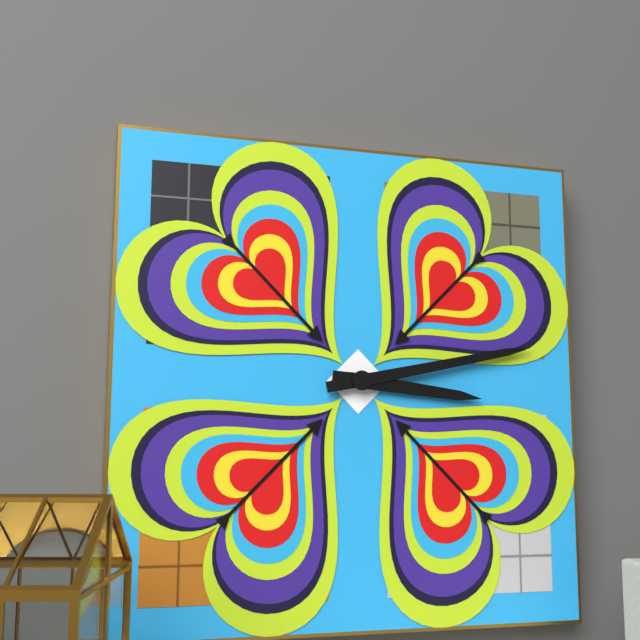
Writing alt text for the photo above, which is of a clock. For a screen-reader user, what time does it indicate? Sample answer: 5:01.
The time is 3:13
